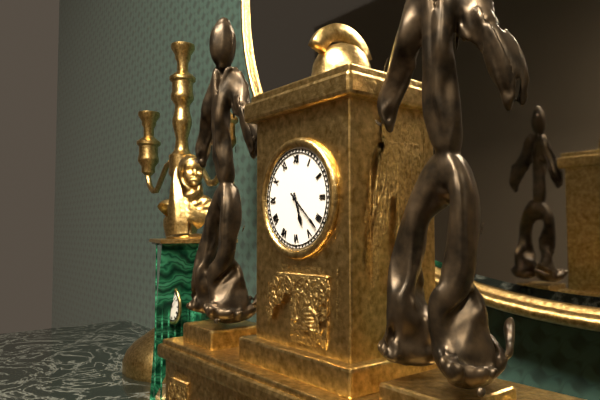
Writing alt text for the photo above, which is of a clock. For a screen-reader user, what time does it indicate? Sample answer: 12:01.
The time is 5:22
